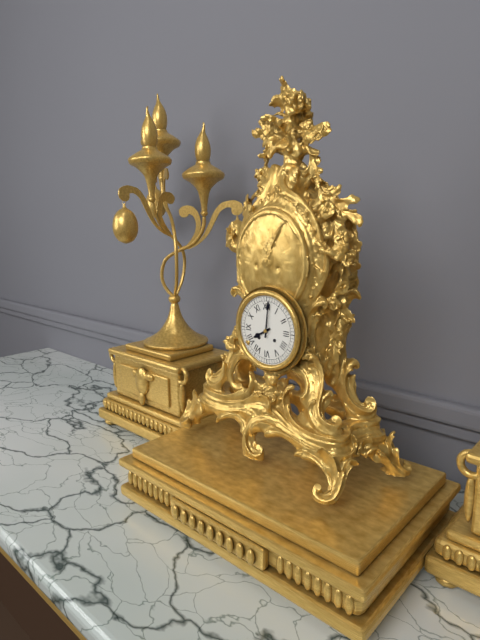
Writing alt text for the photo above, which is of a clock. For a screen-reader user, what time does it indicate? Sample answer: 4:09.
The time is 8:01
